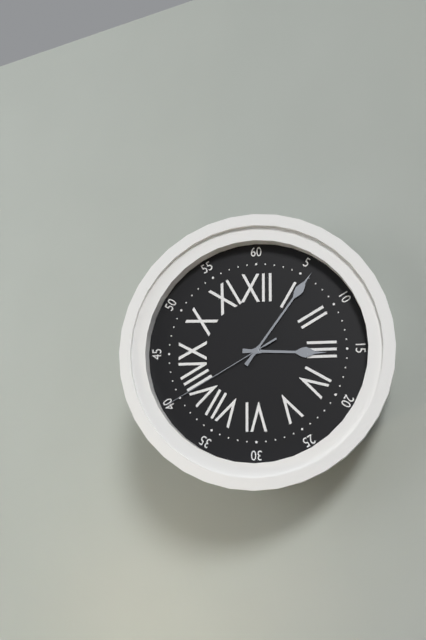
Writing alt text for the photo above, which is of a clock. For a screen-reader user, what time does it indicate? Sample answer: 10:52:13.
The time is 3:06:40
